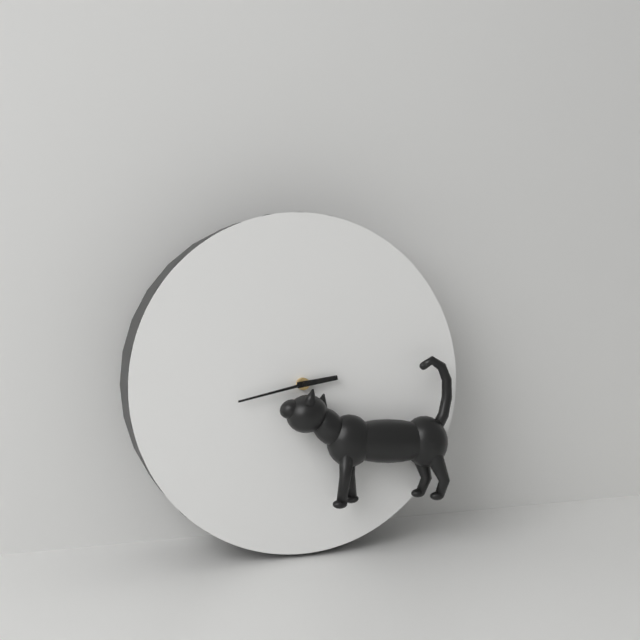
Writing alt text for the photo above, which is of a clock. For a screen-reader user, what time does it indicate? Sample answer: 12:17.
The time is 2:43
